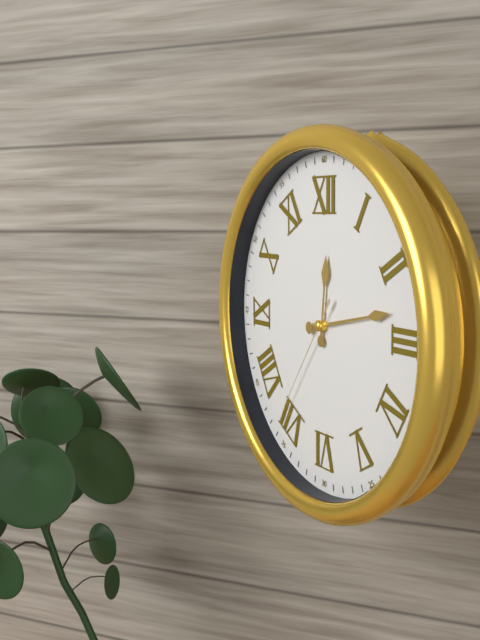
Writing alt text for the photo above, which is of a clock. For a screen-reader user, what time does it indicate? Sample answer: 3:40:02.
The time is 12:13:36
